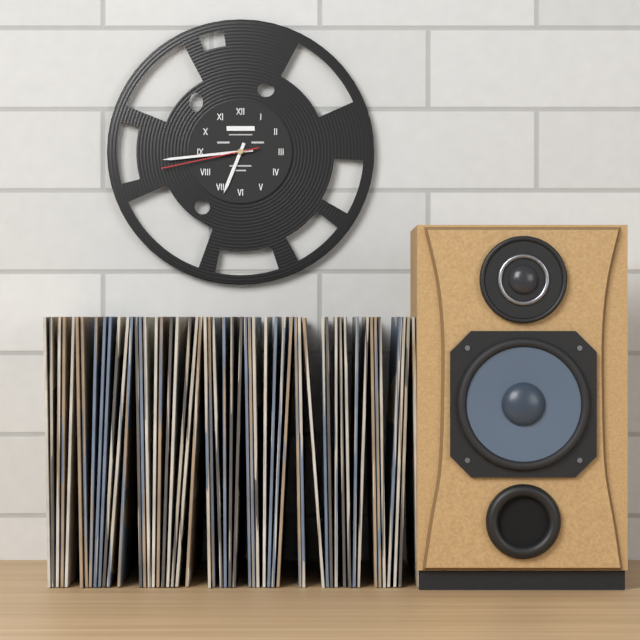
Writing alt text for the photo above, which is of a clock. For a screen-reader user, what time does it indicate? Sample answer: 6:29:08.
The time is 6:44:43
